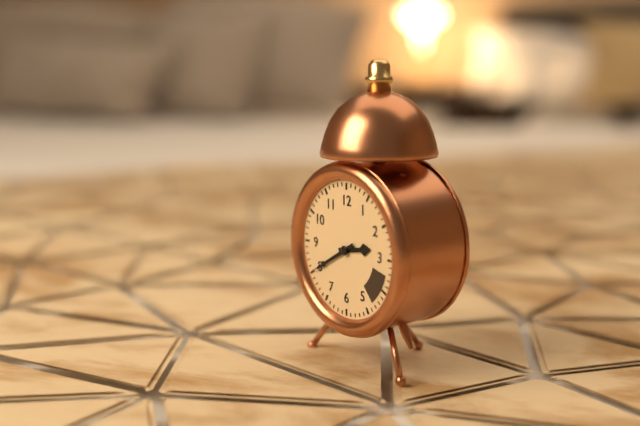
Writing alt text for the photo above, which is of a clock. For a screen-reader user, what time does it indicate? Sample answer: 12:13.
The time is 2:40
